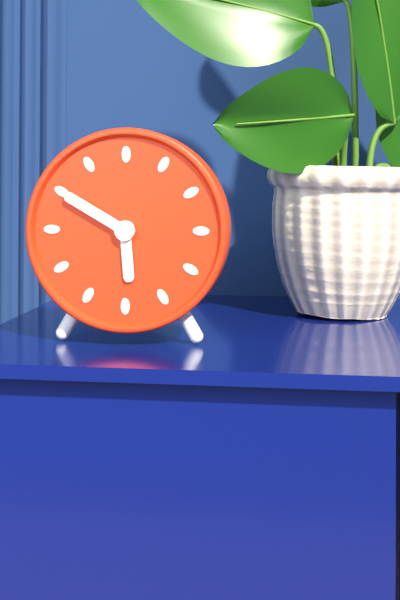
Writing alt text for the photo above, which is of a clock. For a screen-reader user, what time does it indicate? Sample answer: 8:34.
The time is 5:50
